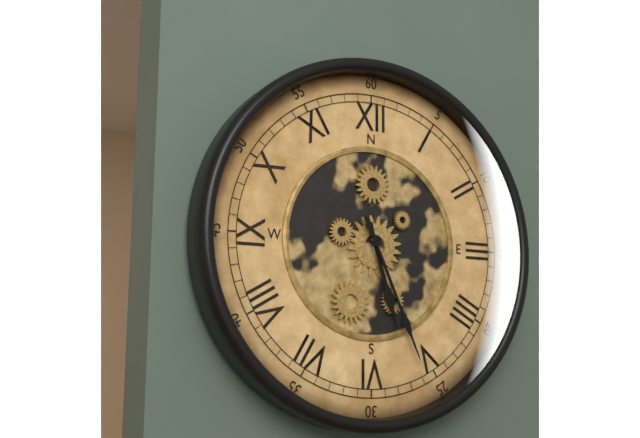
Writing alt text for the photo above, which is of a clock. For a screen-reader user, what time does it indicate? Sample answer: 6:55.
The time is 5:26
